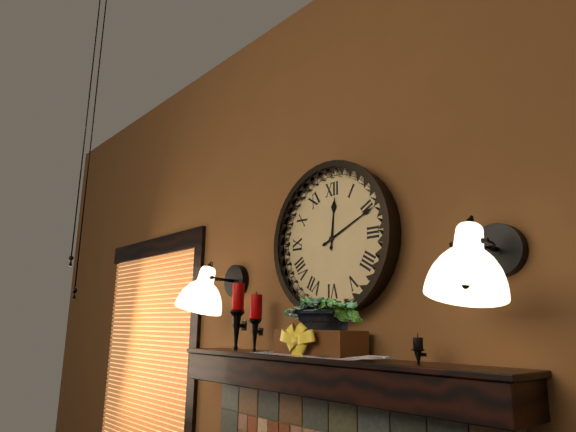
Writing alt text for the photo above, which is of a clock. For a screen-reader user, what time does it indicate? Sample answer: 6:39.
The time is 12:11
